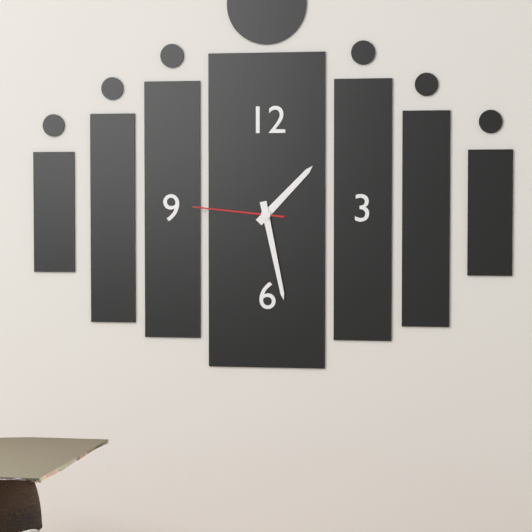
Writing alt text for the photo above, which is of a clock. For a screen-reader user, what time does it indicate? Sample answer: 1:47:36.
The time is 1:28:46
